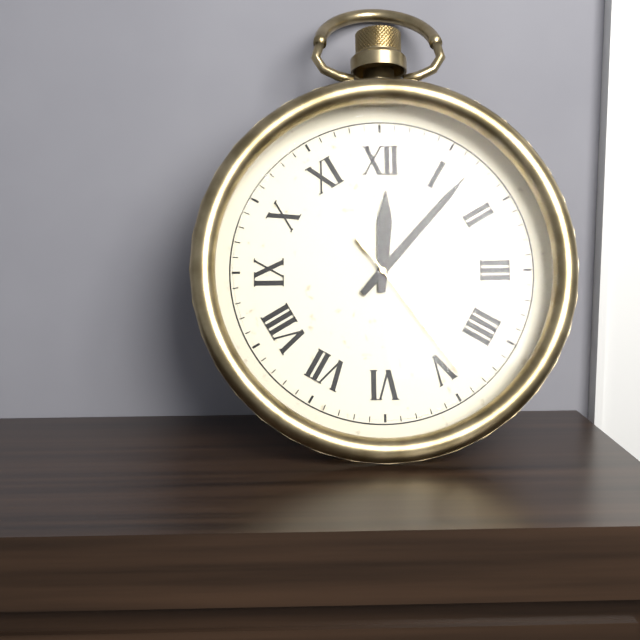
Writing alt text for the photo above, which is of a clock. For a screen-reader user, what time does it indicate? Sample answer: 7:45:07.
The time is 12:07:24
